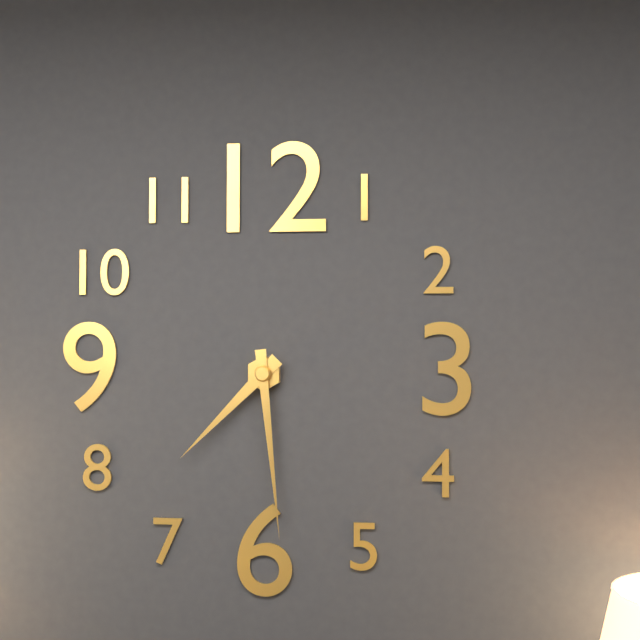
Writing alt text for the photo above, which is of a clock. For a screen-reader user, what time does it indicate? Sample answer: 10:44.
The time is 7:29
